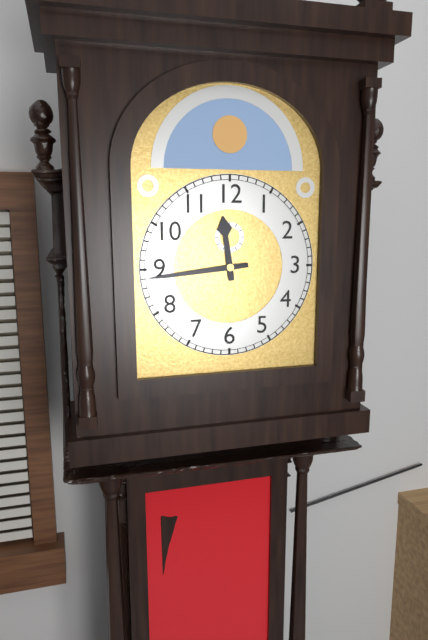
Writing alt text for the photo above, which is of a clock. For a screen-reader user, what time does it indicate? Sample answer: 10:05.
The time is 11:44
